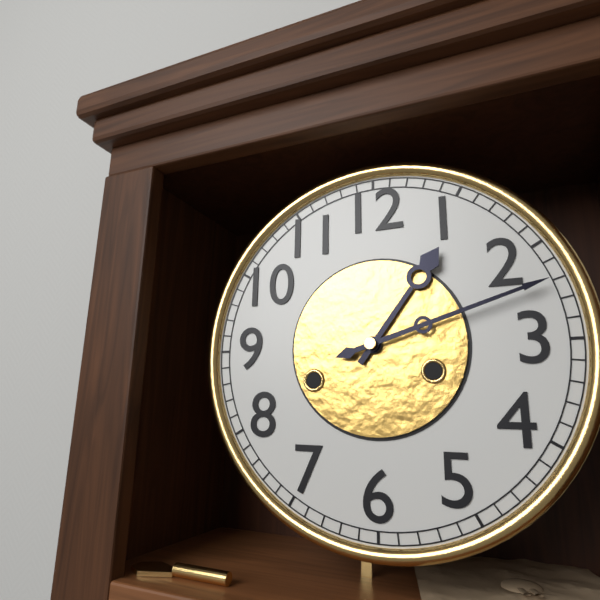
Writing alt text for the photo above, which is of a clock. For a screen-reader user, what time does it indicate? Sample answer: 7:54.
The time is 1:12
